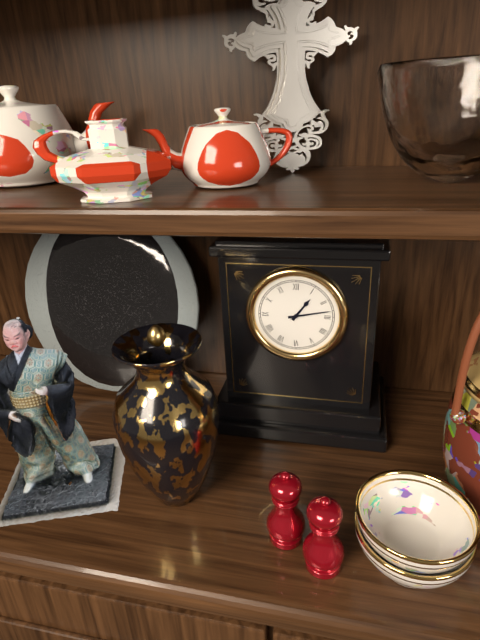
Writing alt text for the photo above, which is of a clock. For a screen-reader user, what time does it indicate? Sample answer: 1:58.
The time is 1:13
